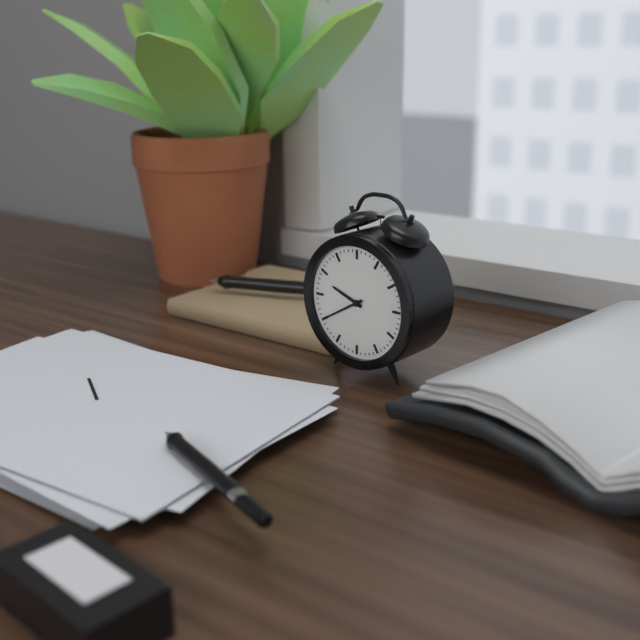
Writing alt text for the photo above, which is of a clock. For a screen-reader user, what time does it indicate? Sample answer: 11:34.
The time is 9:40
